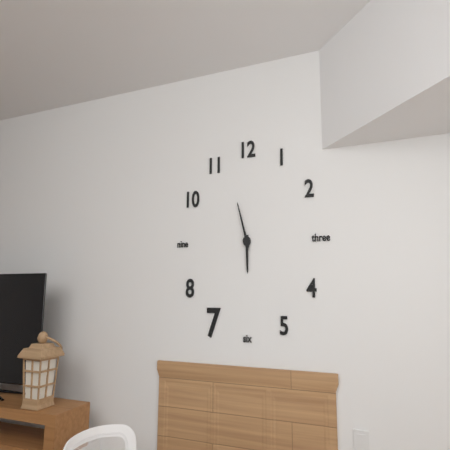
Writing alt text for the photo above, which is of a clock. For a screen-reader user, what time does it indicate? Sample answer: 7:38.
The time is 5:57
